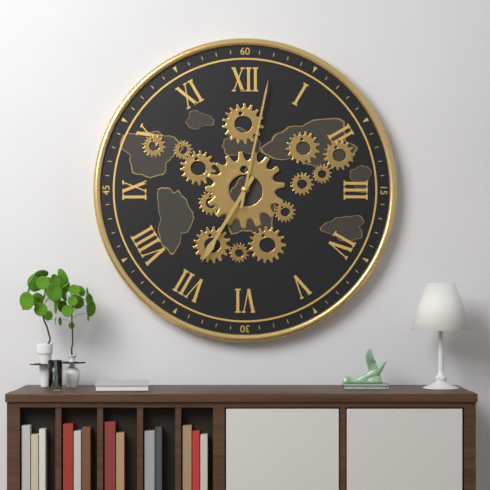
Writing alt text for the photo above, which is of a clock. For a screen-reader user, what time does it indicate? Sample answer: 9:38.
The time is 7:02
